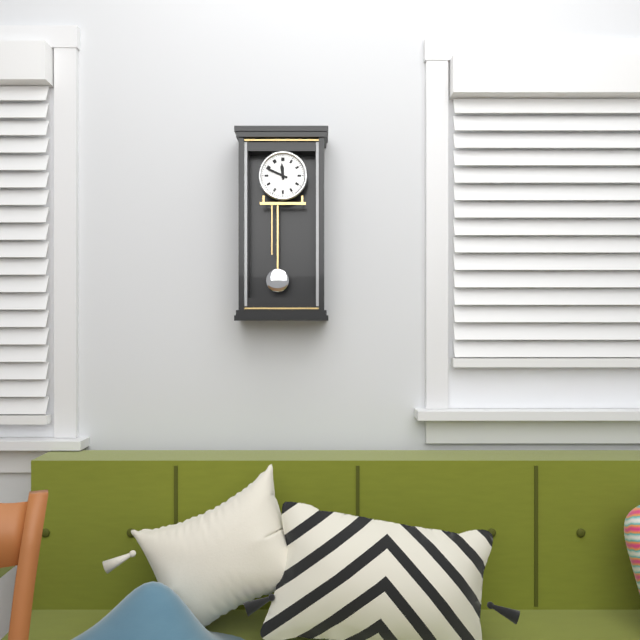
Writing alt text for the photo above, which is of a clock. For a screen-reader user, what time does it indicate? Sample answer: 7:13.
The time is 11:49
